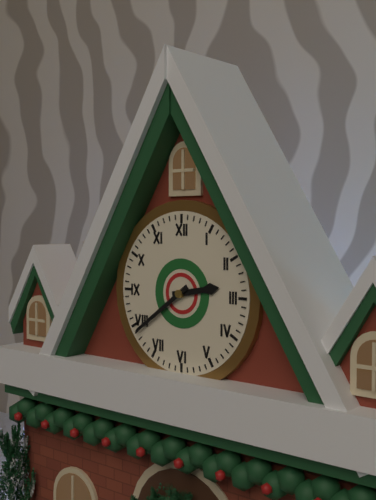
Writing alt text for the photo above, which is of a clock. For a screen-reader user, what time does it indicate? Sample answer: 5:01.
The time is 2:39
